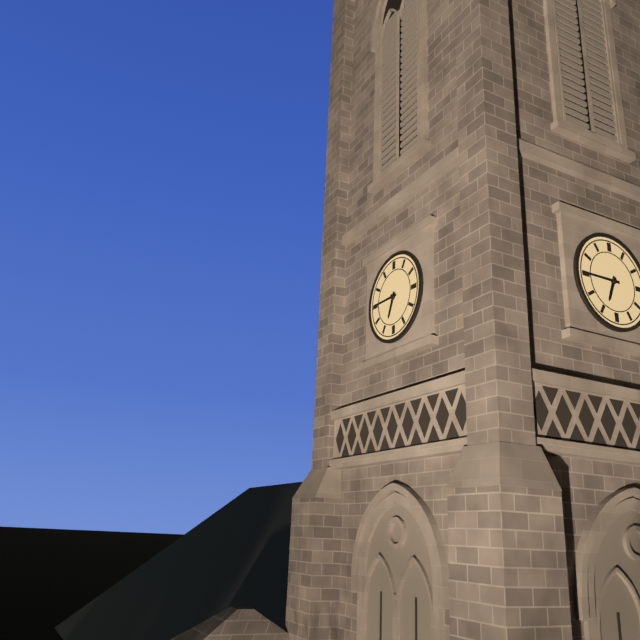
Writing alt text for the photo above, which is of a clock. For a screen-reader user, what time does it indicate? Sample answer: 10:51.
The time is 6:45
